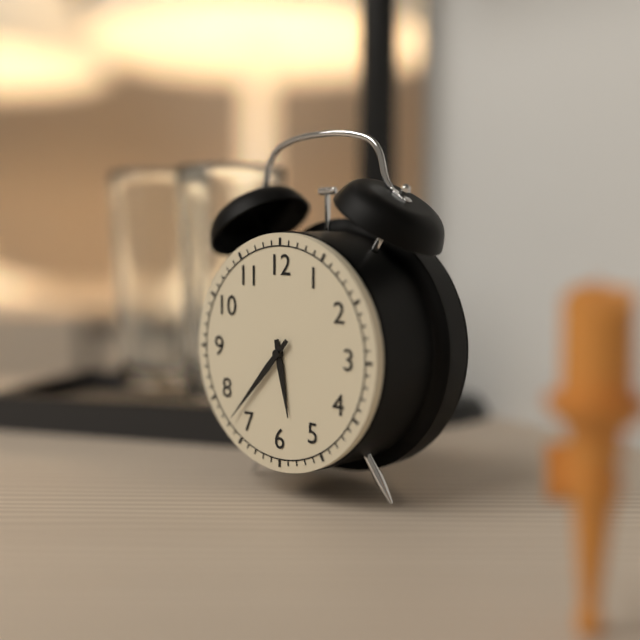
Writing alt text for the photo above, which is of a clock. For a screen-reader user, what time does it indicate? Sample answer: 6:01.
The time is 5:37
